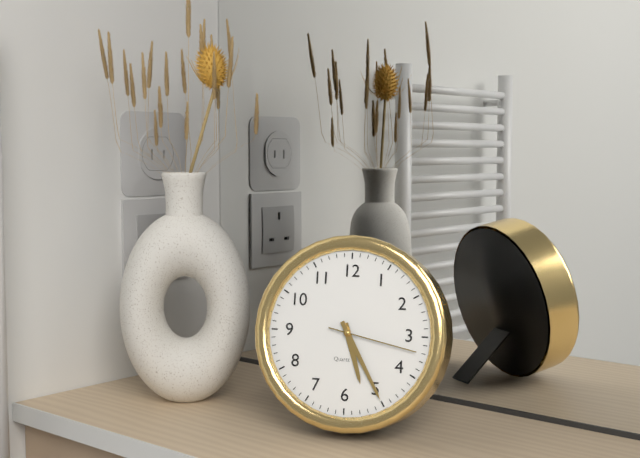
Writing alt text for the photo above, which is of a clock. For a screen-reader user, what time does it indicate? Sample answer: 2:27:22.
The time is 5:25:17
